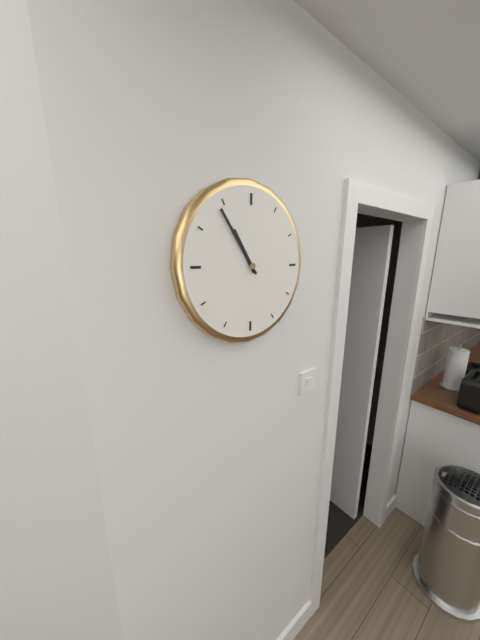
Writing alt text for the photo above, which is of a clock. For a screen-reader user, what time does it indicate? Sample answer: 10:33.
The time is 10:54
